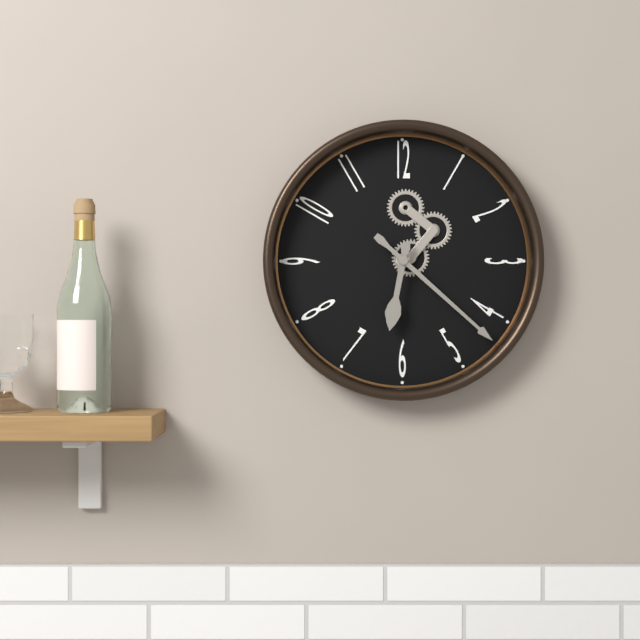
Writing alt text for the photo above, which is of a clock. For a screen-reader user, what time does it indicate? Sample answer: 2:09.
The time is 6:22
